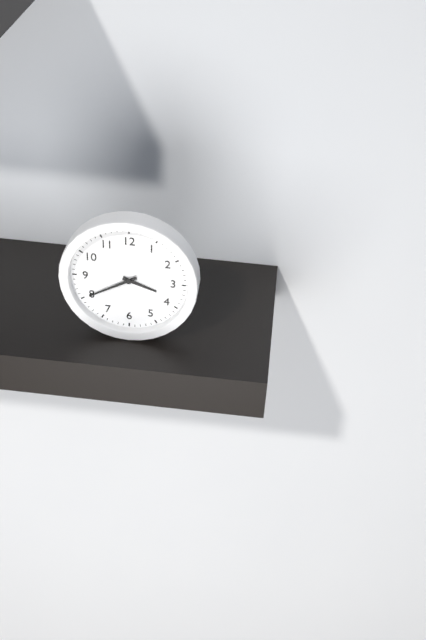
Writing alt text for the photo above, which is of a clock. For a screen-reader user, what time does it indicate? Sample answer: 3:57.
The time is 3:40
